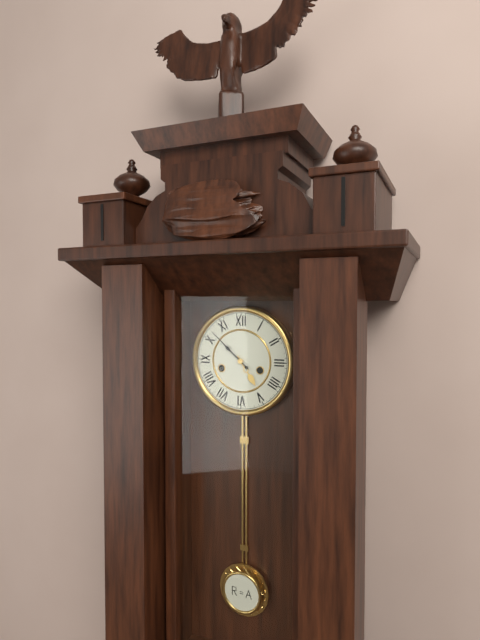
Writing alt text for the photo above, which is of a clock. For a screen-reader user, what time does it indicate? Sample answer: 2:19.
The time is 4:52
